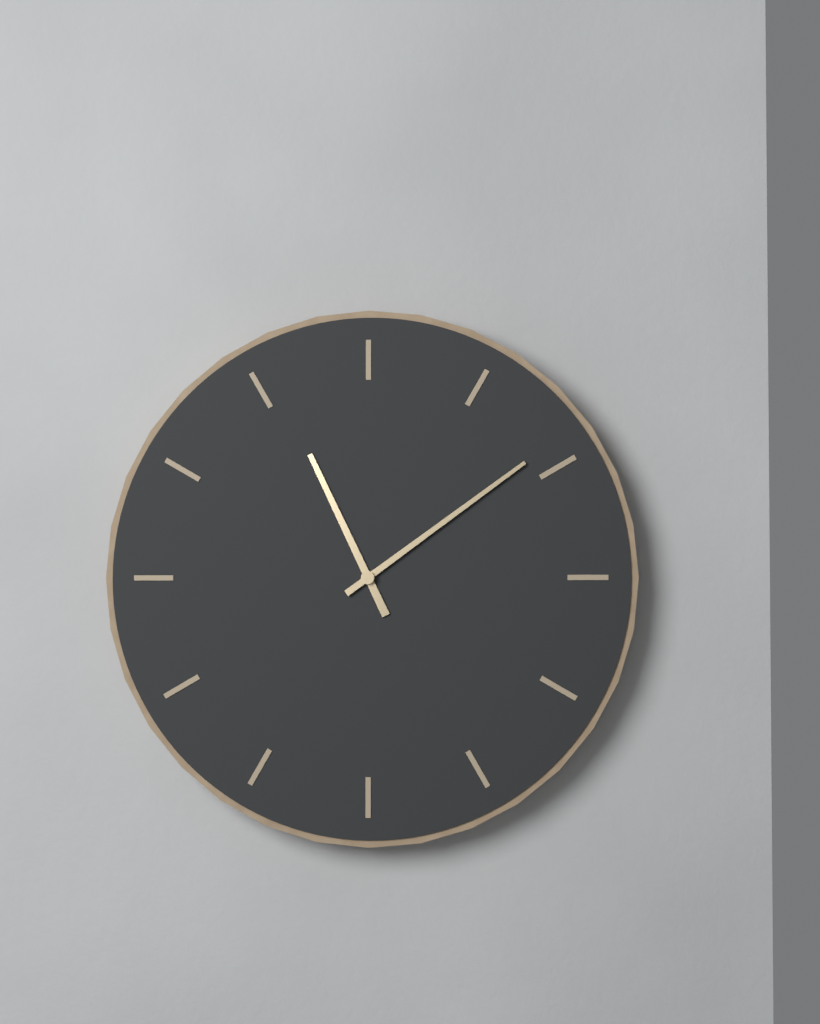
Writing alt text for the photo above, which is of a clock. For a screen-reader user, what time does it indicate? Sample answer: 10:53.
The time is 11:09
